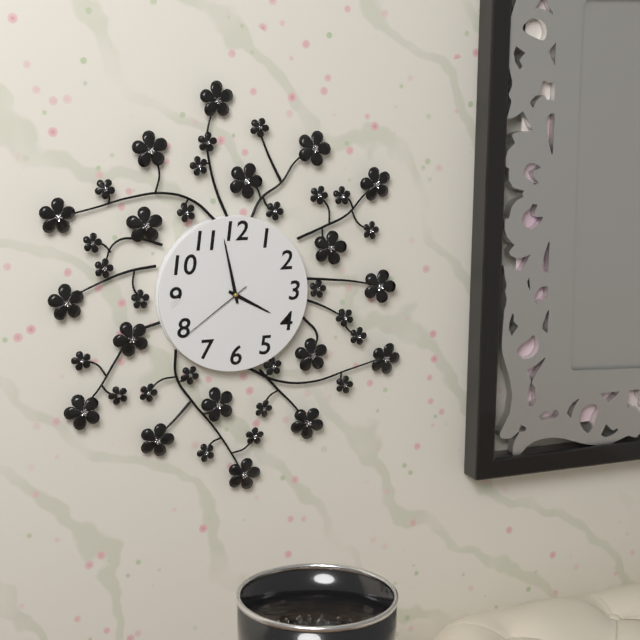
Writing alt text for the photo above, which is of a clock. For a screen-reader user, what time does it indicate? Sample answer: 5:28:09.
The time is 3:58:39
